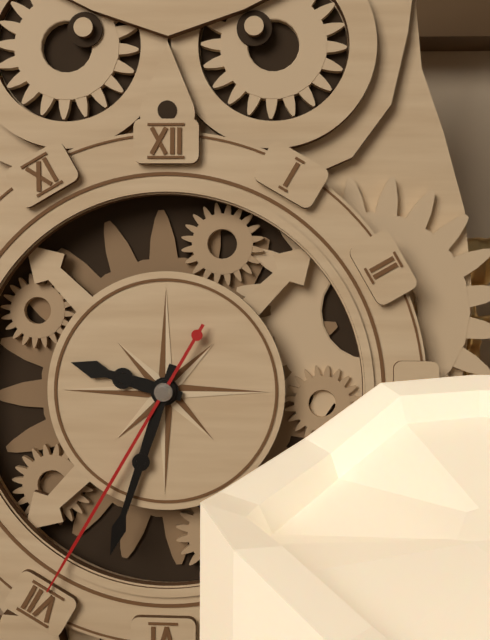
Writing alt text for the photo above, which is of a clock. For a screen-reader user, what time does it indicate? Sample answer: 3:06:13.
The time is 9:33:35
